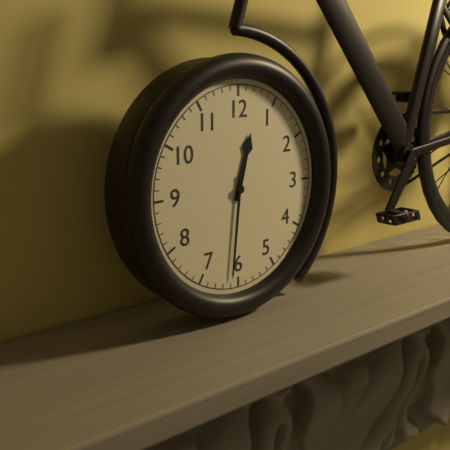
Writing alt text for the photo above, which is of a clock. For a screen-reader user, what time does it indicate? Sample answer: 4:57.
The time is 12:31
